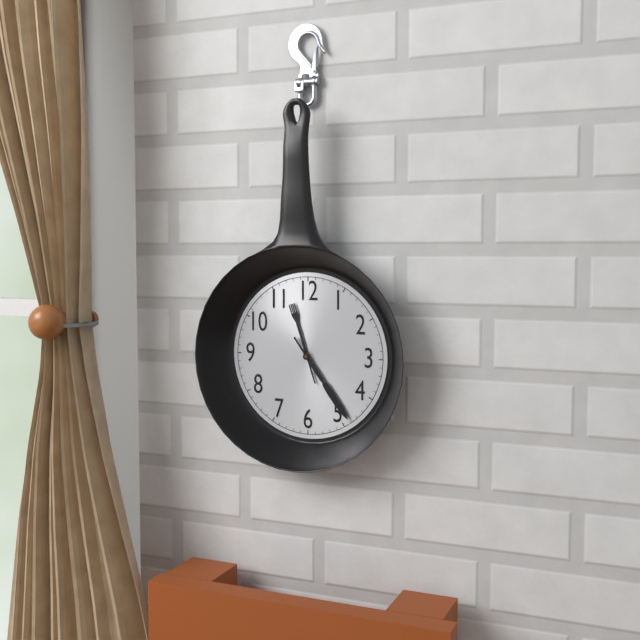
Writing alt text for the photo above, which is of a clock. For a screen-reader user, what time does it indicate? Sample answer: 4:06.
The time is 11:24
